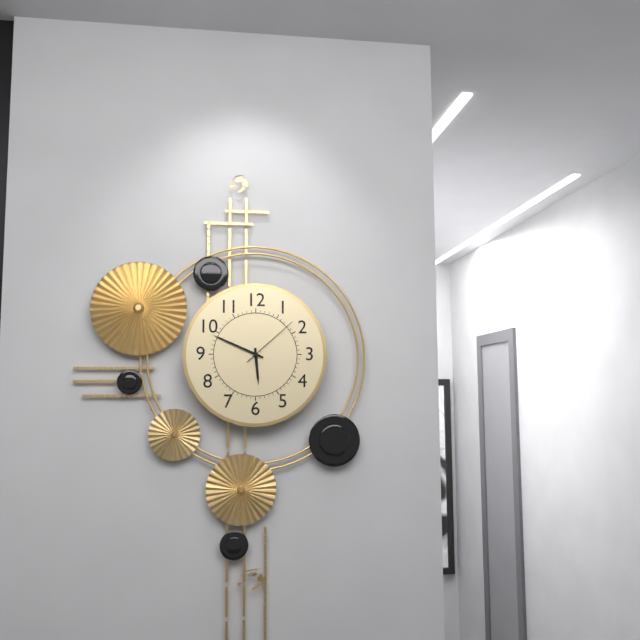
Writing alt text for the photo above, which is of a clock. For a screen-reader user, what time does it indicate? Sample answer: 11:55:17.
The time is 5:49:08
